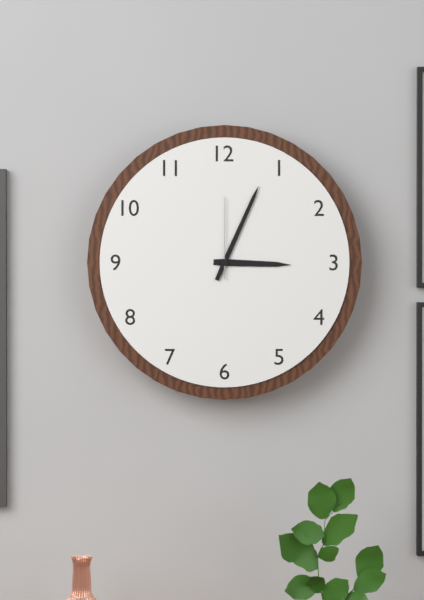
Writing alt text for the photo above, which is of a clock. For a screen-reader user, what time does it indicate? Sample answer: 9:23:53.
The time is 3:04:00
